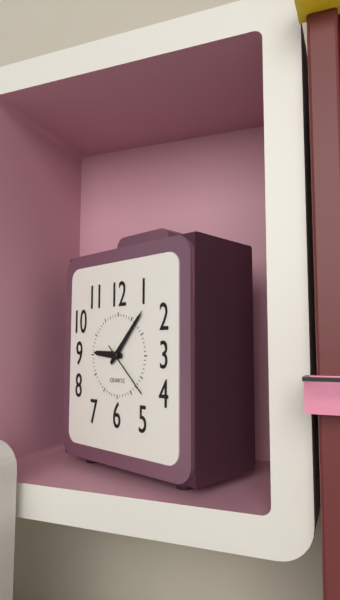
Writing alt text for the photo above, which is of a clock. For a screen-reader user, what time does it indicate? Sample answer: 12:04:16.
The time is 9:07:22
